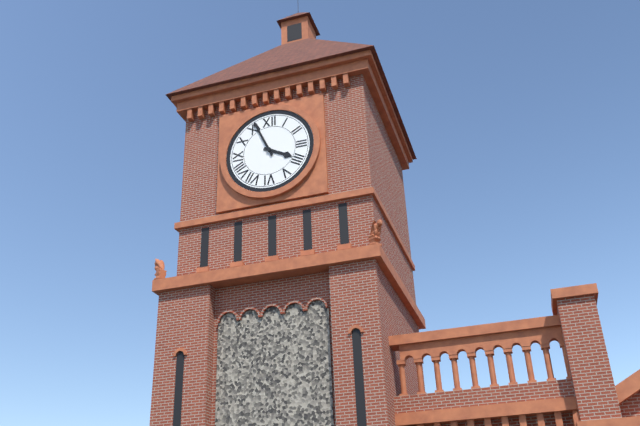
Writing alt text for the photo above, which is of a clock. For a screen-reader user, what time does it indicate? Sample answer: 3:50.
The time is 3:56
